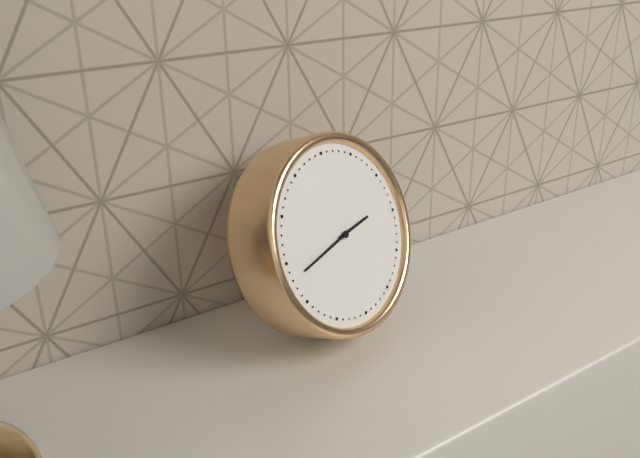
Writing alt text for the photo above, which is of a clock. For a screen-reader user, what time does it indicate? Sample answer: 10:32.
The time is 2:43
